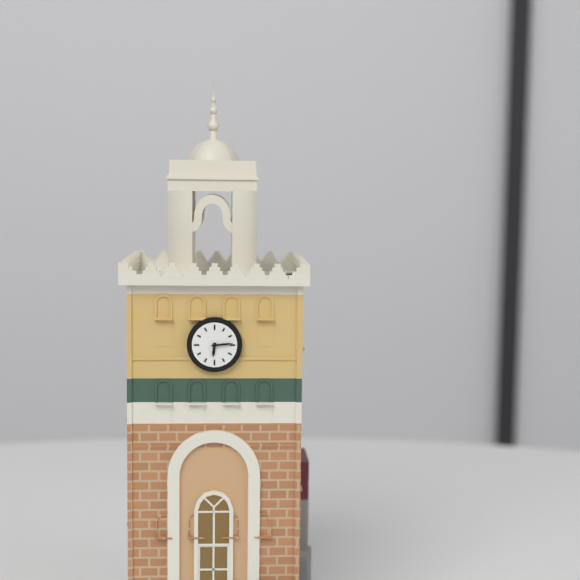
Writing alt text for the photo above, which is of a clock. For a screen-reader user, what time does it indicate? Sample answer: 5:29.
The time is 6:14
